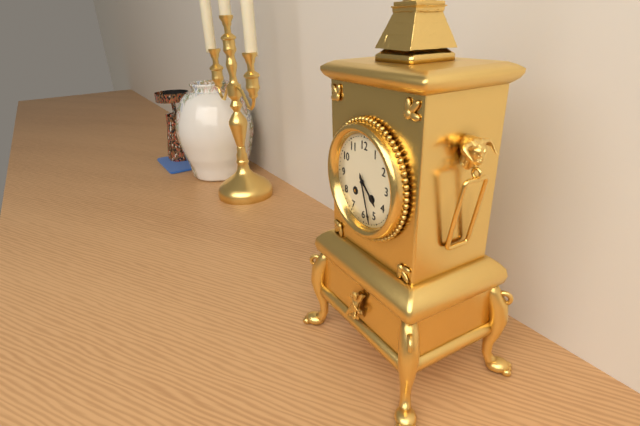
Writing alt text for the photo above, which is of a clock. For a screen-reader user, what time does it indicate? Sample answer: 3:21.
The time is 4:27
